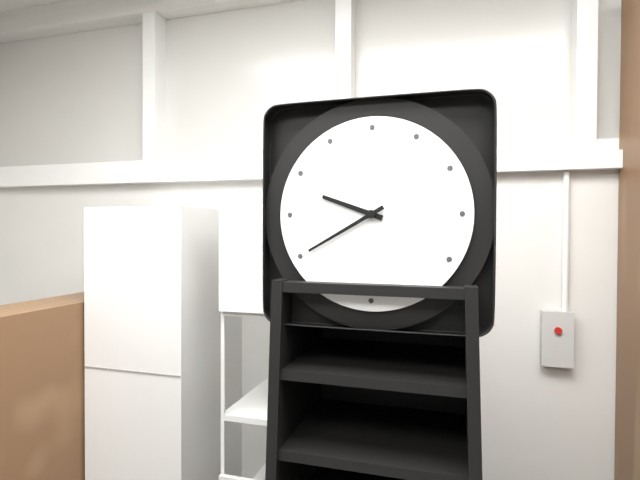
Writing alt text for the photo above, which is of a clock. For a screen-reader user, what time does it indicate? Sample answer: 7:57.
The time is 9:40
